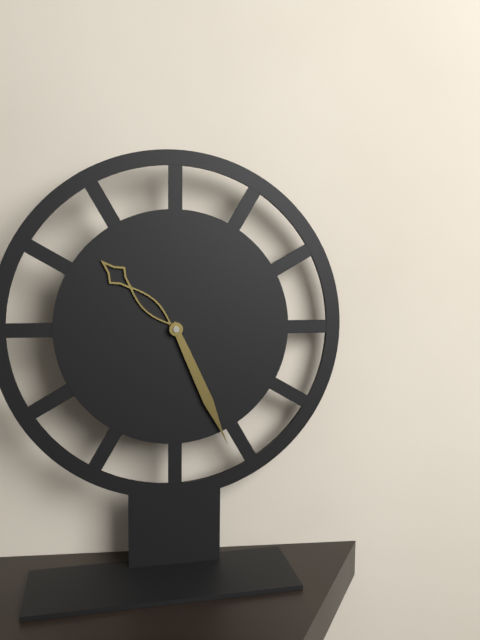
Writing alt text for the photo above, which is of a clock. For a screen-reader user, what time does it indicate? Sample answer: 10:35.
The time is 10:26
